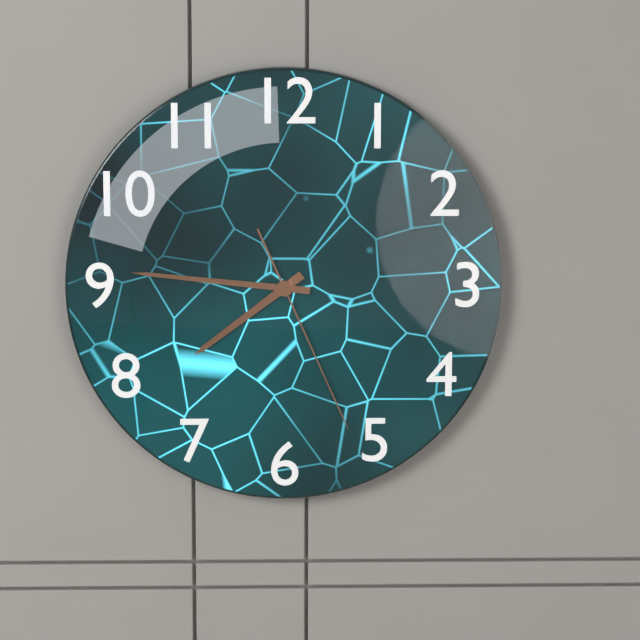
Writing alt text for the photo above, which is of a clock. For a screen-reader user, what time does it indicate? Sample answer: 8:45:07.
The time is 7:46:26
